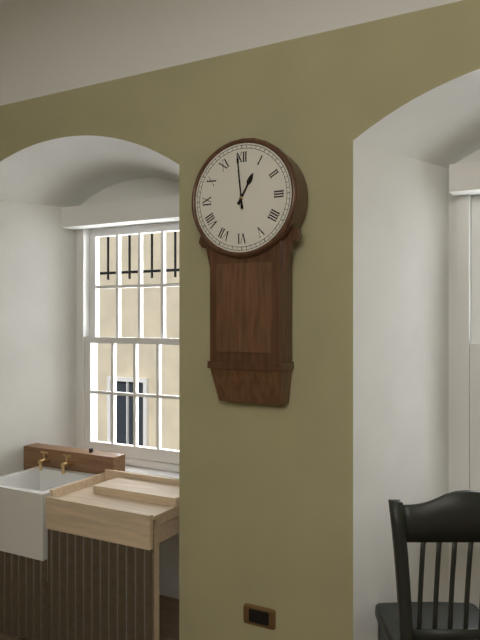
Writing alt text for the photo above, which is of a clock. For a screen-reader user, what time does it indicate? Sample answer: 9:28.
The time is 12:59
